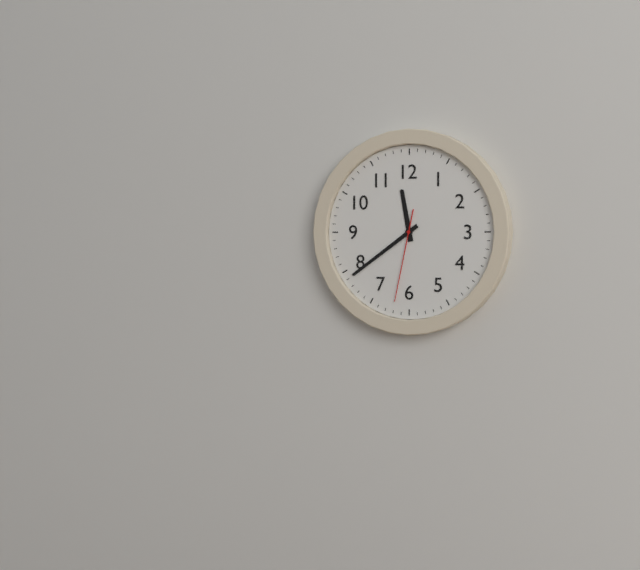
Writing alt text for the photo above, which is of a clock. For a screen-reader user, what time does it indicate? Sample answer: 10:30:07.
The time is 11:39:32
